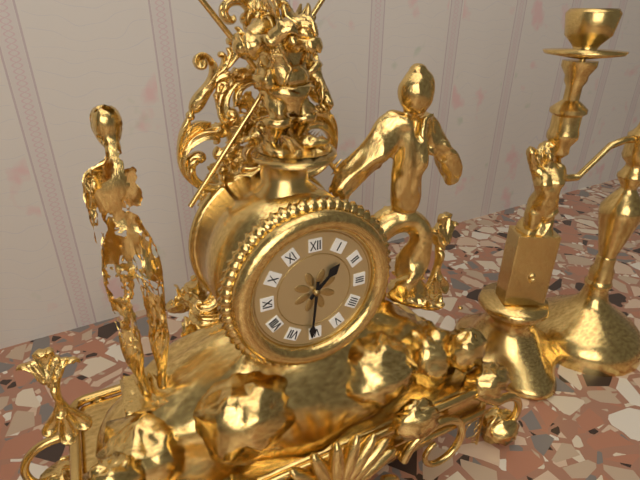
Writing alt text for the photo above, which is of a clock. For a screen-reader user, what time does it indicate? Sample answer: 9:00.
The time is 1:31
